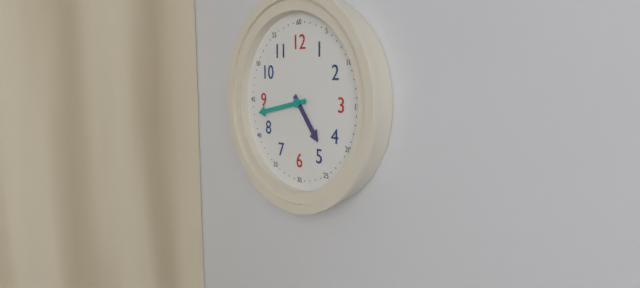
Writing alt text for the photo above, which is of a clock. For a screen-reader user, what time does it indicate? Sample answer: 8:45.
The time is 4:43
